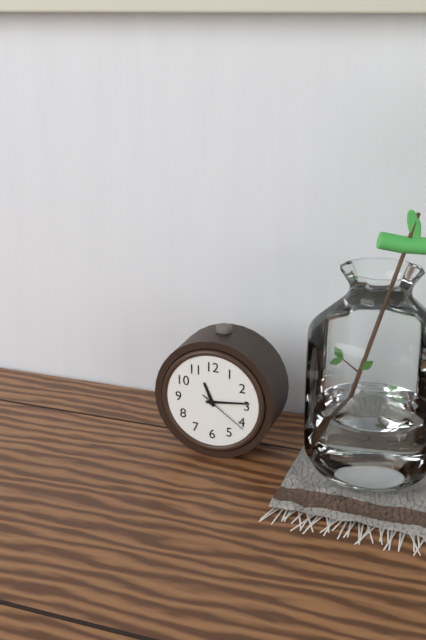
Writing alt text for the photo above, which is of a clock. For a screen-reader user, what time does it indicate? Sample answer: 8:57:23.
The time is 11:14:21
